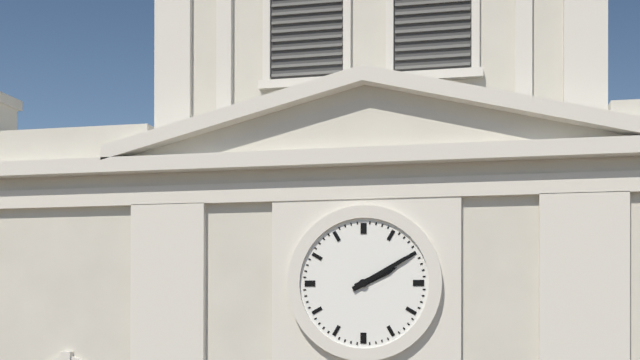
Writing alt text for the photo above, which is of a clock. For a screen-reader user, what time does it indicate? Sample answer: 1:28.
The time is 2:10
